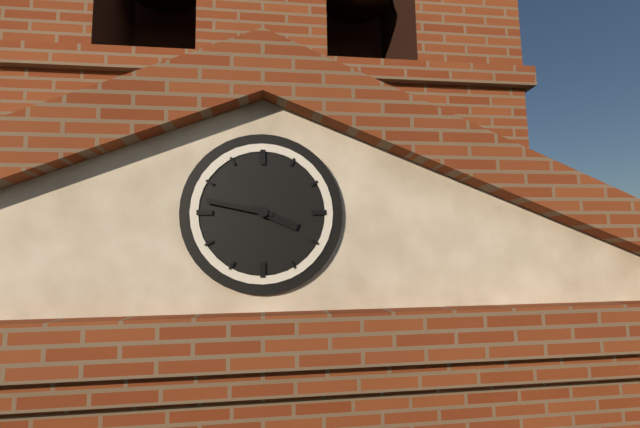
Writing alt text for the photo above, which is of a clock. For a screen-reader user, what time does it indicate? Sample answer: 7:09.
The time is 3:47
